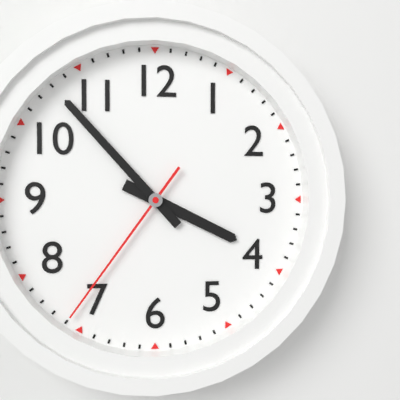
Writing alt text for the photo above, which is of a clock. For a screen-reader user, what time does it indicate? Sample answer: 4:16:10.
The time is 3:53:36
